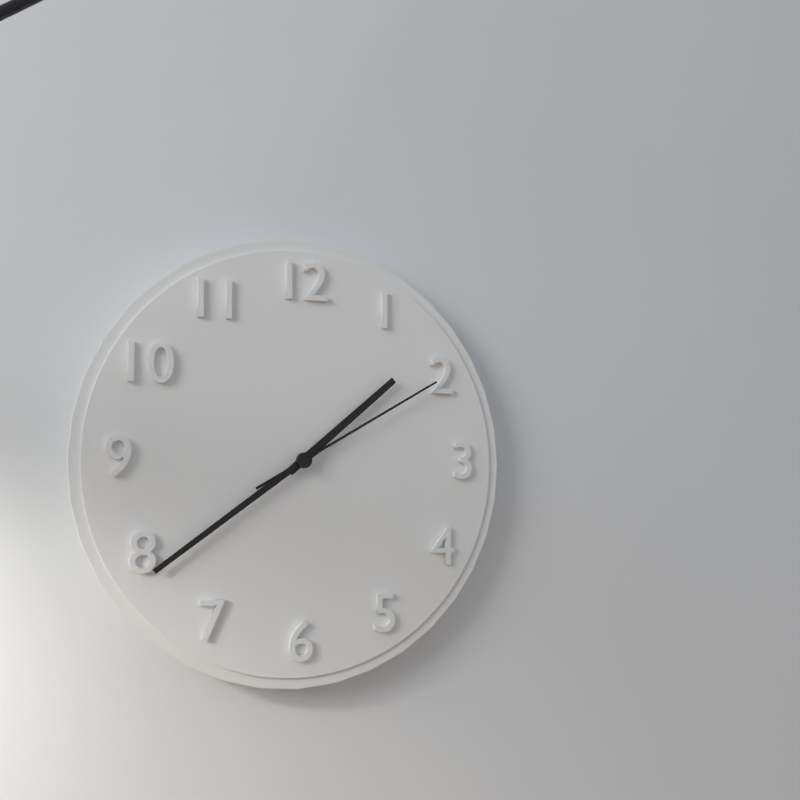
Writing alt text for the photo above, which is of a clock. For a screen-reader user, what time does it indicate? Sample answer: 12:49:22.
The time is 1:39:10
